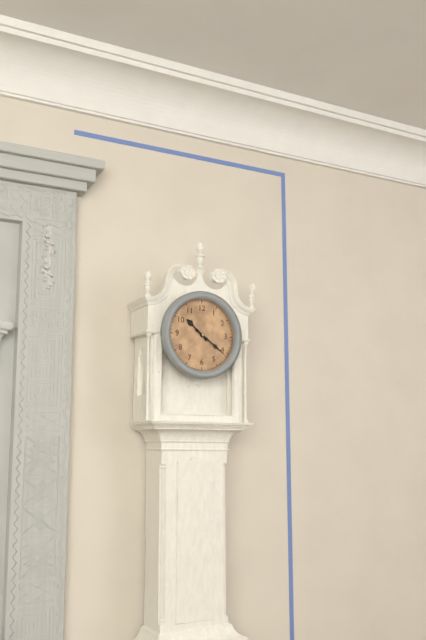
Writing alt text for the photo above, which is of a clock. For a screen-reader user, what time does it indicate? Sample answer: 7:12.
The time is 10:21
